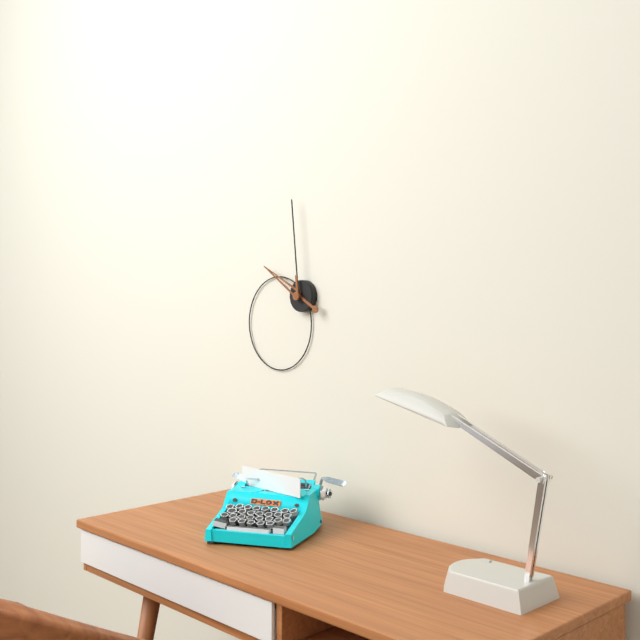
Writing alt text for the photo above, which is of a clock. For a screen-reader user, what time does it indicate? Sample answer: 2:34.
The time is 9:59
